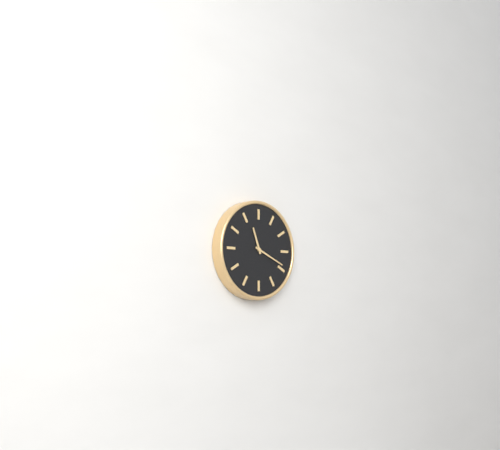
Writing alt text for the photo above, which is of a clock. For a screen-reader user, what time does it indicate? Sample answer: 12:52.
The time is 11:19
